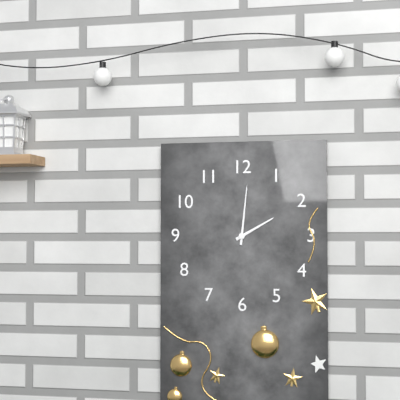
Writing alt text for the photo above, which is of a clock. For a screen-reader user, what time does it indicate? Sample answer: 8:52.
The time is 2:01
